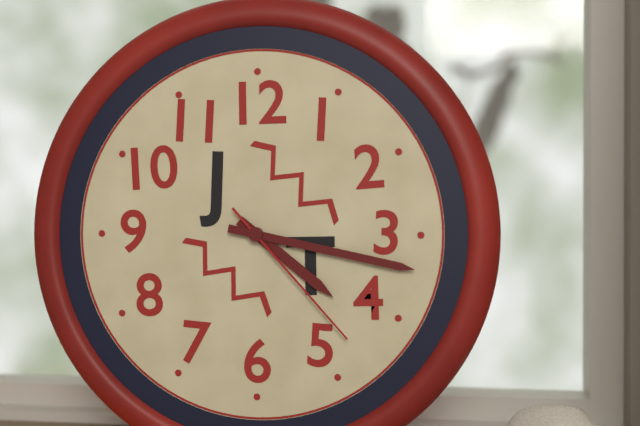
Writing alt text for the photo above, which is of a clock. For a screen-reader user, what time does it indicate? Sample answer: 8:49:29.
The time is 4:17:23
